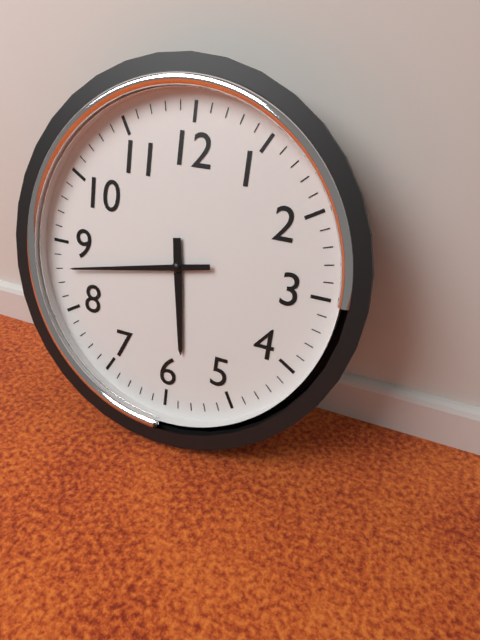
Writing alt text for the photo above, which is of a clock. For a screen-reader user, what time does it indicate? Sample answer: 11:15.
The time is 5:43
